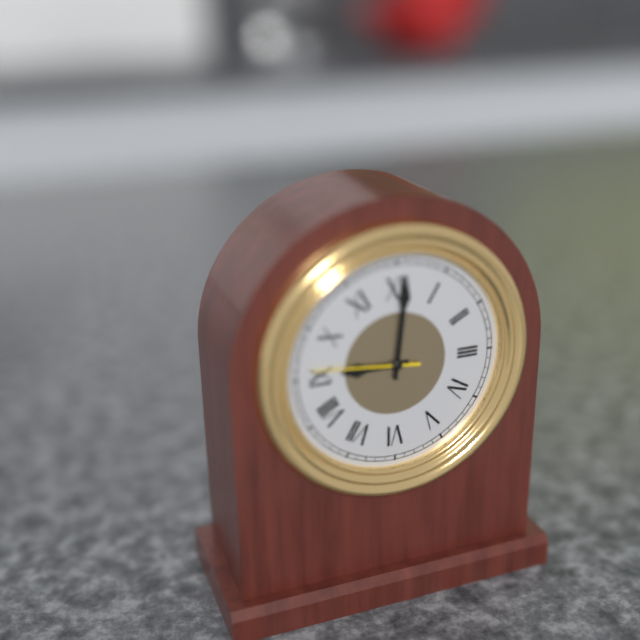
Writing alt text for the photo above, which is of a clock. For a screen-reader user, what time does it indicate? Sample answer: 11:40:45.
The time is 9:01:46
